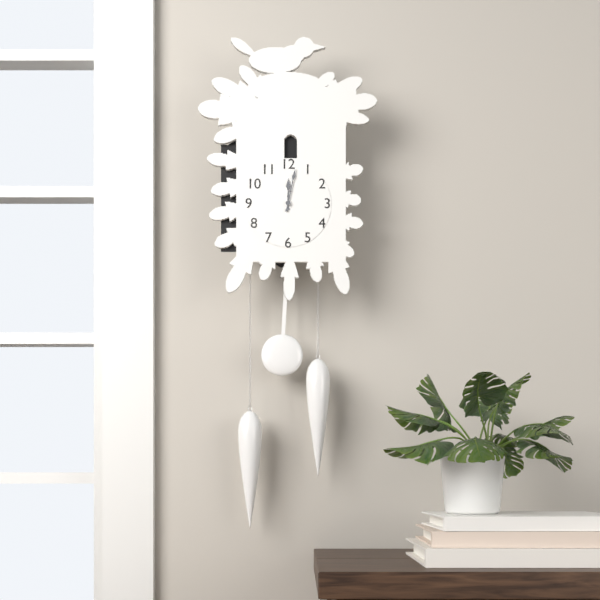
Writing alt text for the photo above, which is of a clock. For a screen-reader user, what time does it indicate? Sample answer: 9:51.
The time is 12:02
